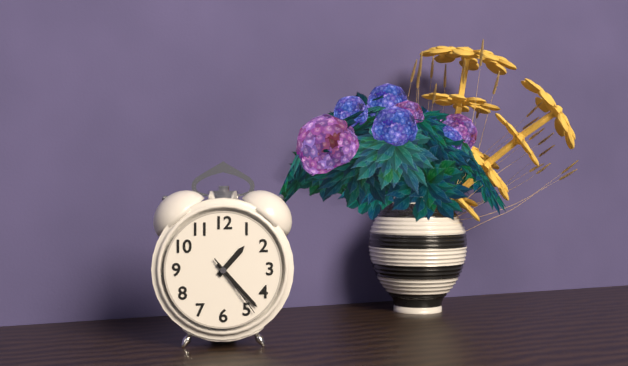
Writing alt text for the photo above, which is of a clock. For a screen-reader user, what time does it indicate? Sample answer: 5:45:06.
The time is 1:23:24
